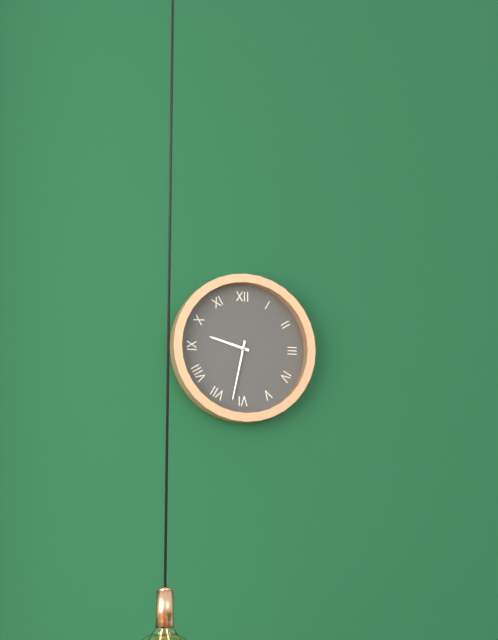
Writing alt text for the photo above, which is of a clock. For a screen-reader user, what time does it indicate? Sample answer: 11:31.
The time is 9:32
